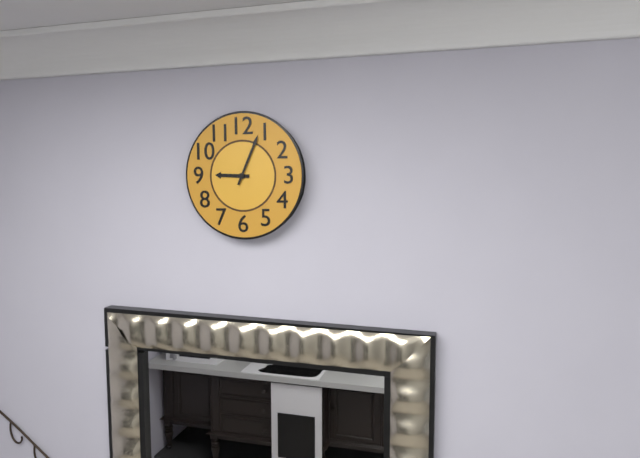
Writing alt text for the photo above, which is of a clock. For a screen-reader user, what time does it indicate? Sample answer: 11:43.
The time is 9:04
